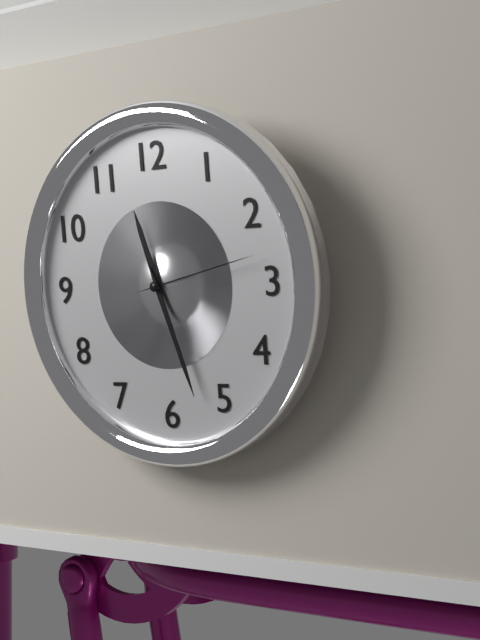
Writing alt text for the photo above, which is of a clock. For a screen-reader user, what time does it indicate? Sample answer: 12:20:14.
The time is 11:27:13
